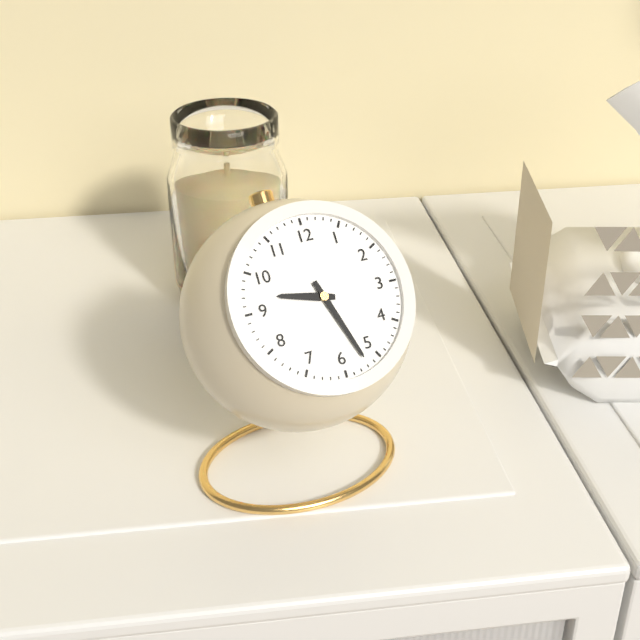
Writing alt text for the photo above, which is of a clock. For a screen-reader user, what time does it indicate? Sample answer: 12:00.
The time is 9:27
